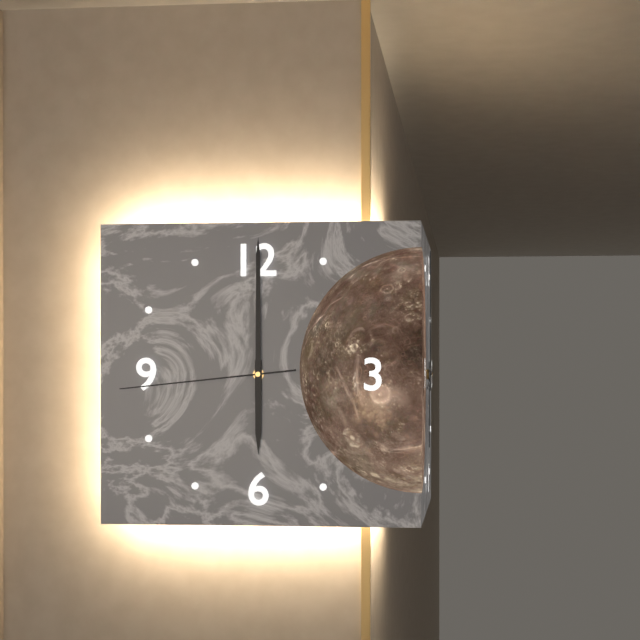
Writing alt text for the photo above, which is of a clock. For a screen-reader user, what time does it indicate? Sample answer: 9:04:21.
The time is 6:00:44
